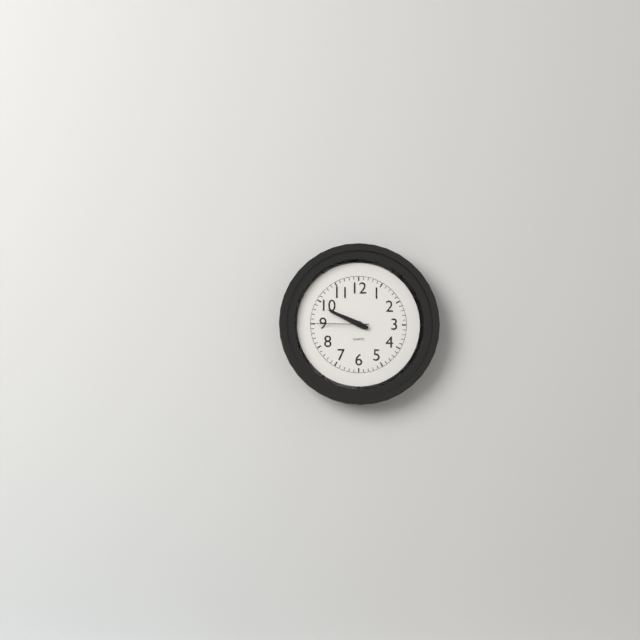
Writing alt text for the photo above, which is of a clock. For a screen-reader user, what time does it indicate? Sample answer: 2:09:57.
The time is 9:49:45
